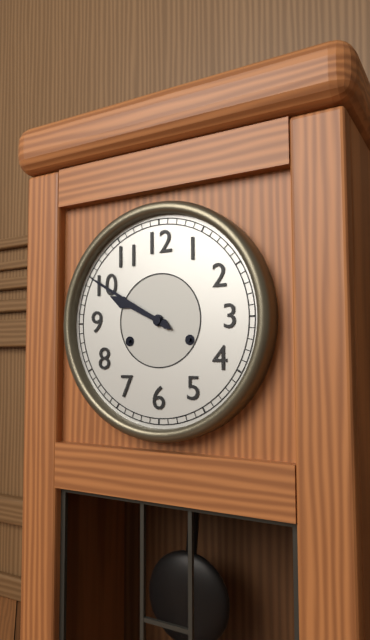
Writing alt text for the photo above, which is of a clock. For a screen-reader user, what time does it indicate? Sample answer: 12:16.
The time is 9:50
